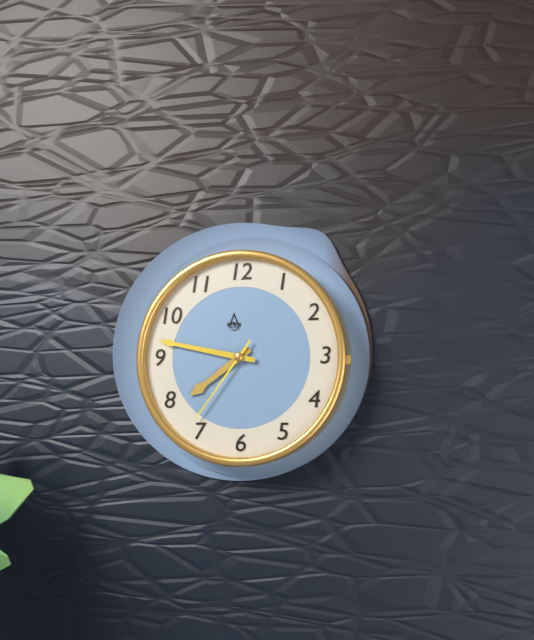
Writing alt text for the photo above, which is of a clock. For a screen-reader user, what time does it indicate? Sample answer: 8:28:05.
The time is 7:47:36
